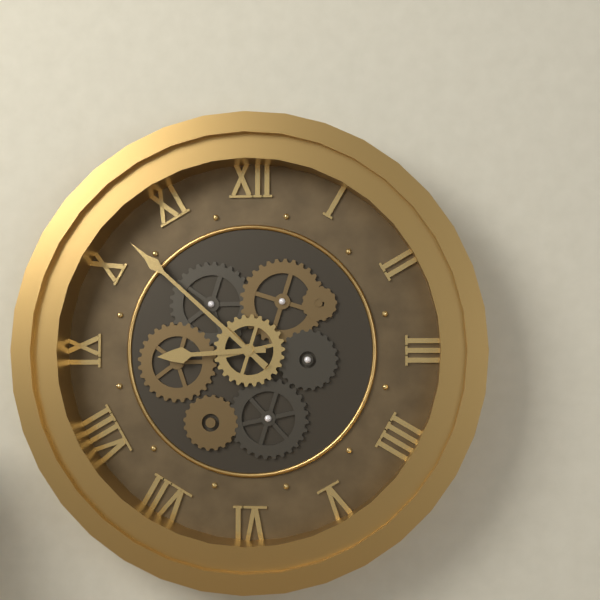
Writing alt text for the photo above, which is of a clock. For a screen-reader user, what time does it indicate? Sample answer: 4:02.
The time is 8:52
